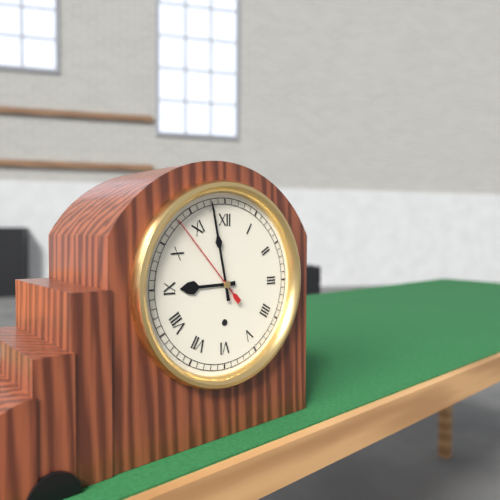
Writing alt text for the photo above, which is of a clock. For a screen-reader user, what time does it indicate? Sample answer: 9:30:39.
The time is 8:58:53
